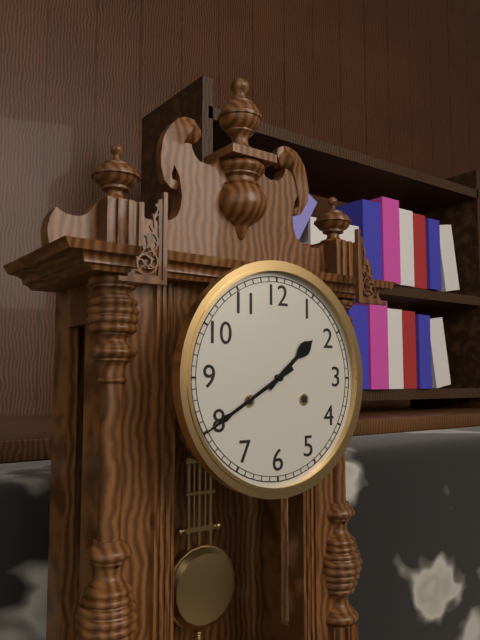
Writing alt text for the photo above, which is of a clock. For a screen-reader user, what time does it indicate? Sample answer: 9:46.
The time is 1:40
